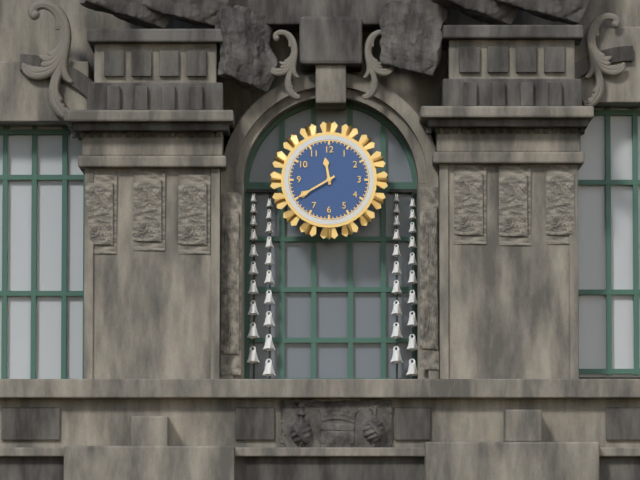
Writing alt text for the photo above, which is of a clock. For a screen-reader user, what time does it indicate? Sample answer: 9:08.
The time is 11:40
